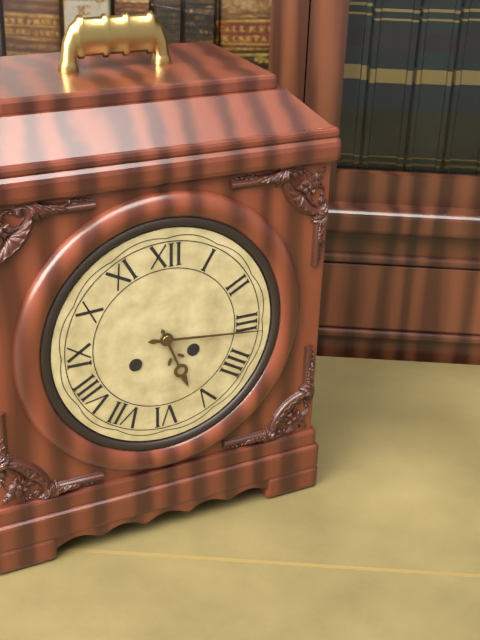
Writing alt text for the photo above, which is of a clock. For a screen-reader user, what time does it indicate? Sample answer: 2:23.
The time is 5:16
